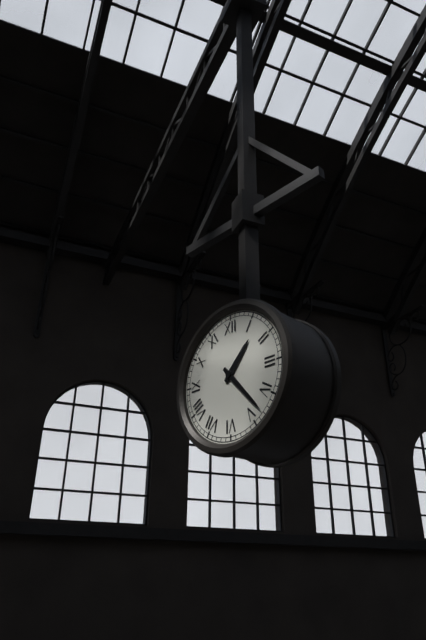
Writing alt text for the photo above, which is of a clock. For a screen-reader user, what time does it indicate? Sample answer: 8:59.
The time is 1:23
